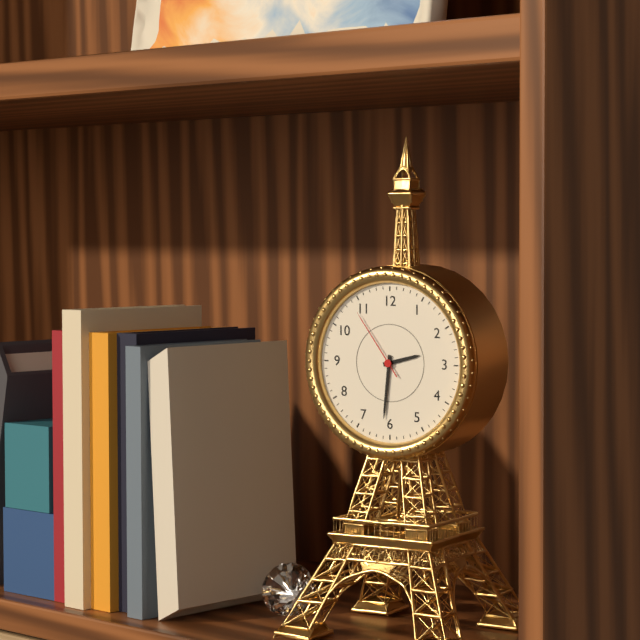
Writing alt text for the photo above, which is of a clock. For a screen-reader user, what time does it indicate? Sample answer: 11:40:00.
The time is 2:31:54
